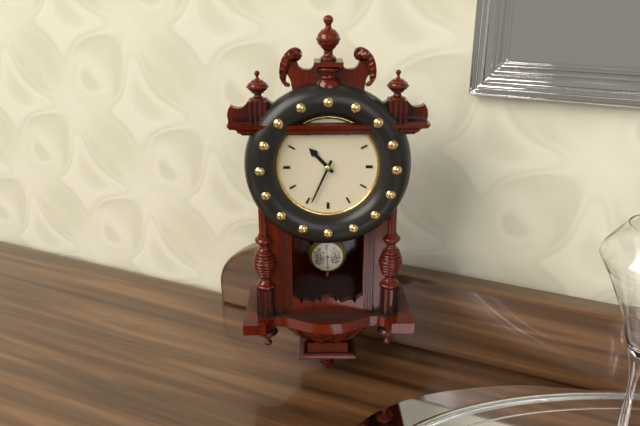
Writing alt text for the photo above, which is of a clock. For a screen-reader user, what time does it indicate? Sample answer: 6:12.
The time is 10:34
